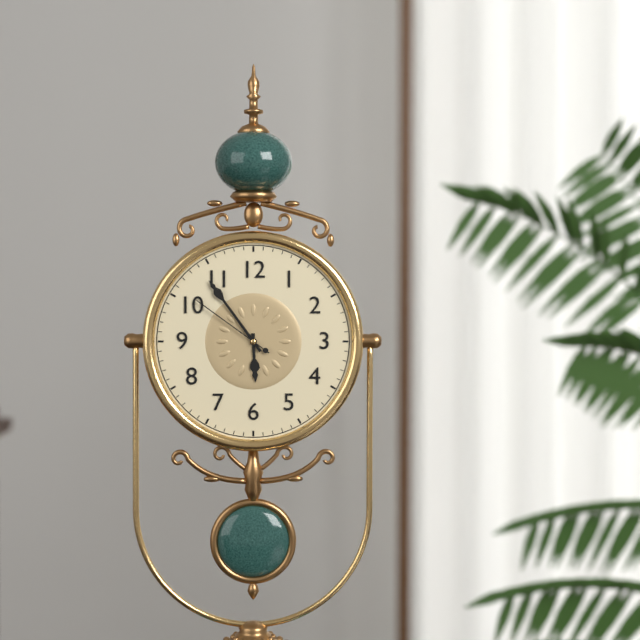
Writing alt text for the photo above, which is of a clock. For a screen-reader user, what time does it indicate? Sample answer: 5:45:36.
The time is 5:54:51
